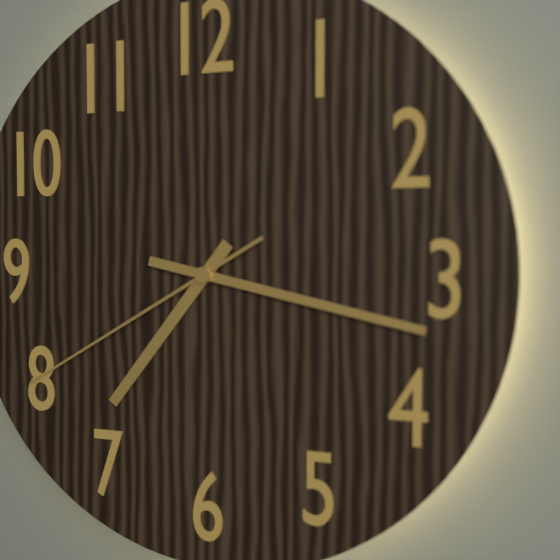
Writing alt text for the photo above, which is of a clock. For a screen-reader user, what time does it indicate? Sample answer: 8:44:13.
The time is 7:17:40
